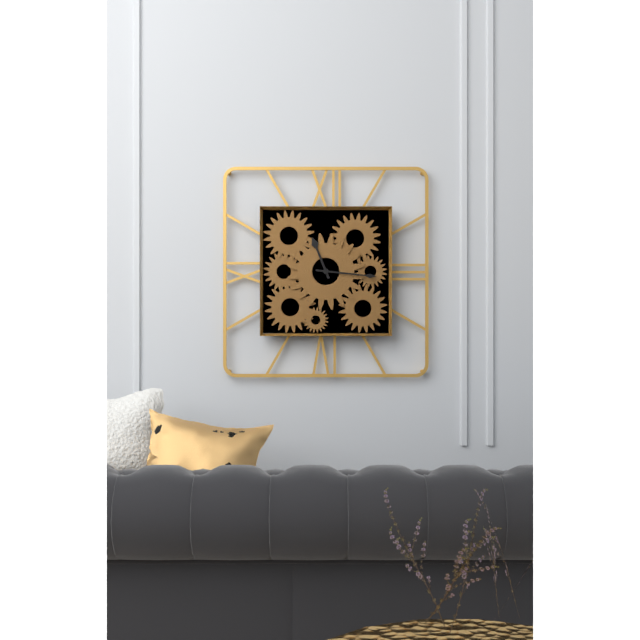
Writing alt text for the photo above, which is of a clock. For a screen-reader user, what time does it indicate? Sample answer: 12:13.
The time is 11:16
